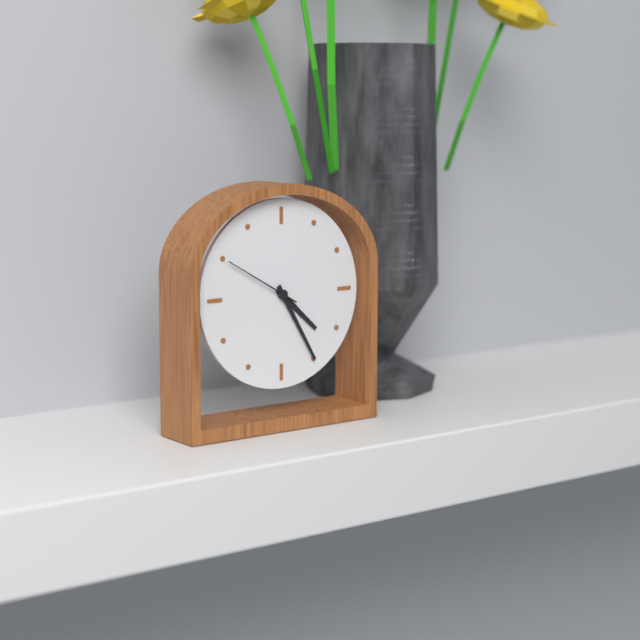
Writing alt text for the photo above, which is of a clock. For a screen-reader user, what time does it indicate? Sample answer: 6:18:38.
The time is 4:25:50
